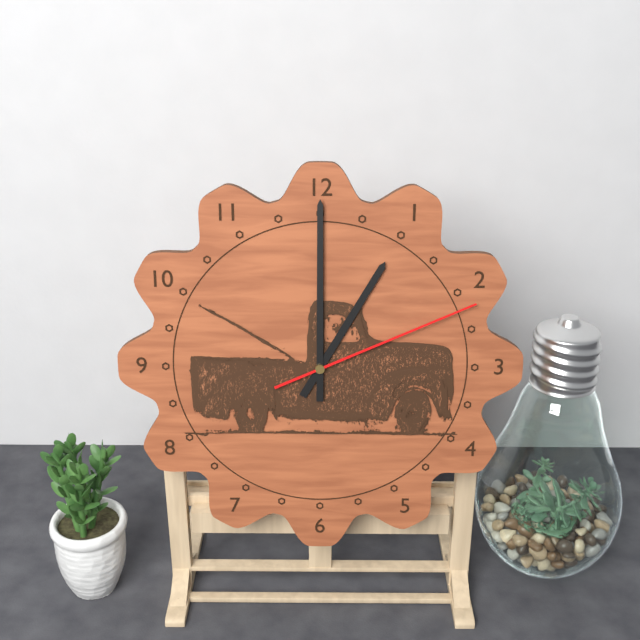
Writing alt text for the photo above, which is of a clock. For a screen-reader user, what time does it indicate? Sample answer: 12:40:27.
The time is 1:00:11
